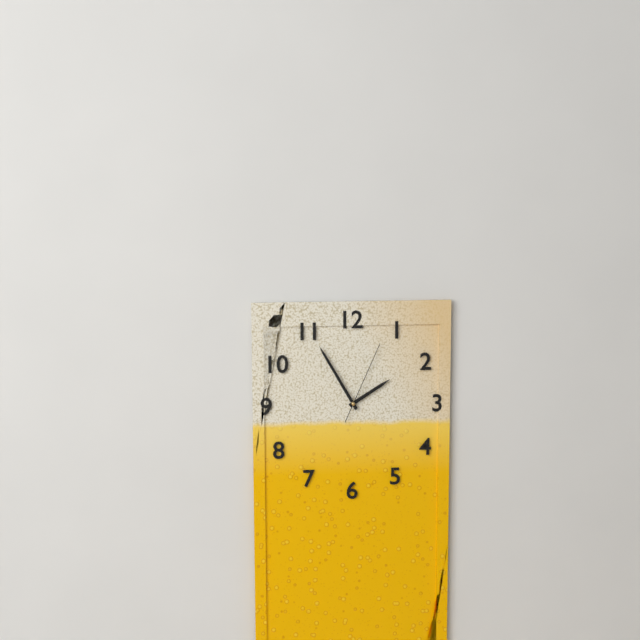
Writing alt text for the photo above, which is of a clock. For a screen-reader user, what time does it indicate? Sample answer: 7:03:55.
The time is 1:55:04
